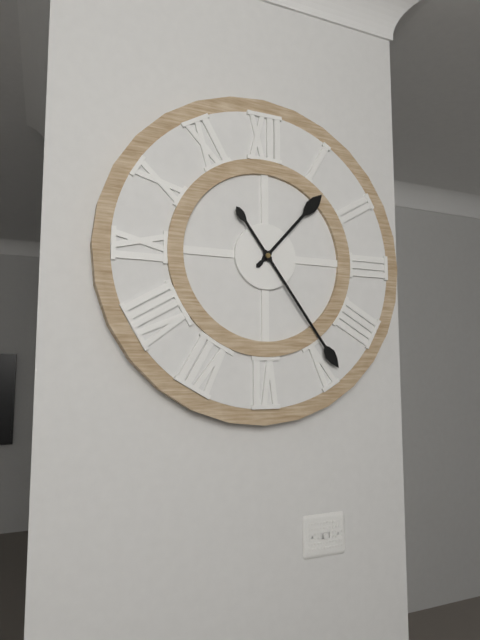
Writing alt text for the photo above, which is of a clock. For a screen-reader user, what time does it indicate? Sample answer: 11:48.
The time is 1:24
